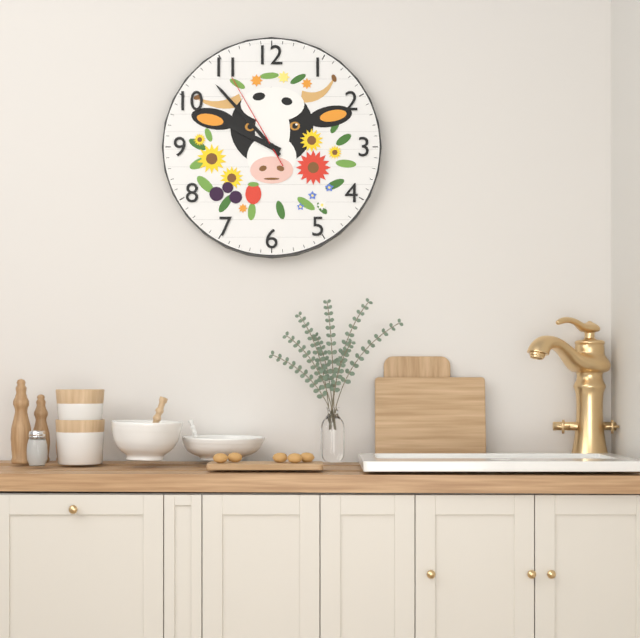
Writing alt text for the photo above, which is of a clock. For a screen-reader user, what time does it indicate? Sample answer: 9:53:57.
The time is 9:53:55
